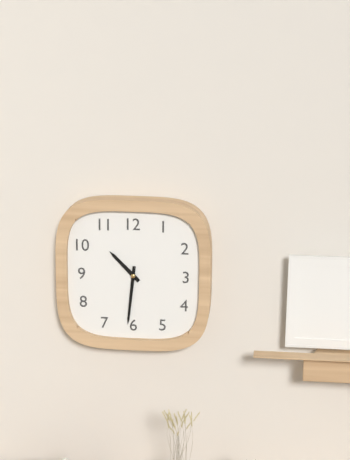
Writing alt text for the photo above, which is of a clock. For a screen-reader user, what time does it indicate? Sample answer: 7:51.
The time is 10:31
